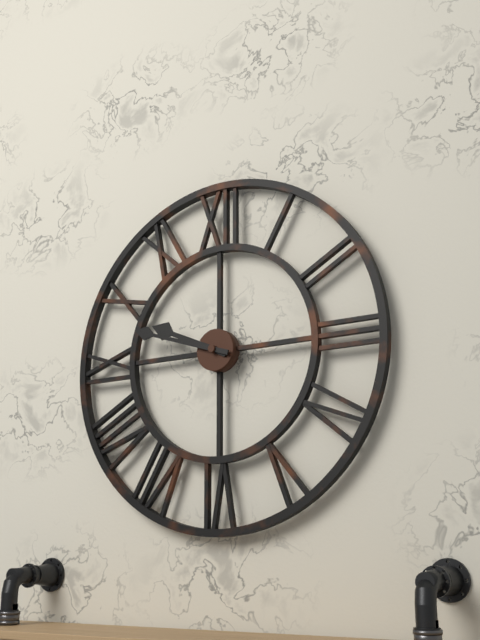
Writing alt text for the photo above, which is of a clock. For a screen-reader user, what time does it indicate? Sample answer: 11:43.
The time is 9:48
